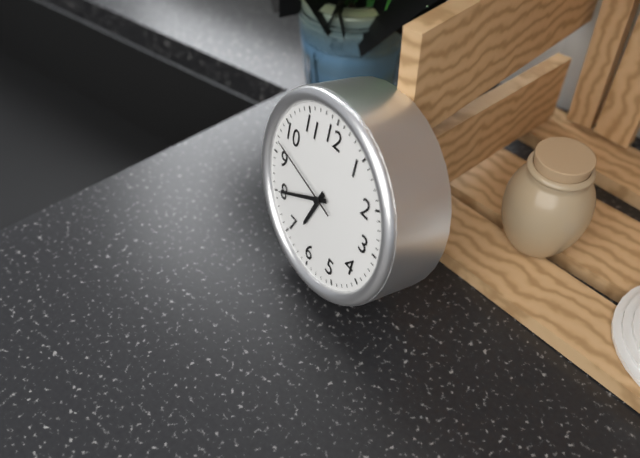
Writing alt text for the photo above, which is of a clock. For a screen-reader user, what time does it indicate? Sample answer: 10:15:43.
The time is 6:40:47
